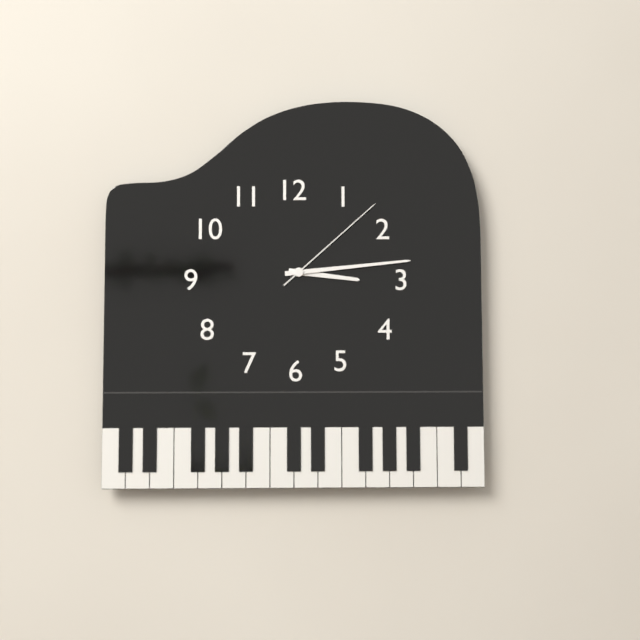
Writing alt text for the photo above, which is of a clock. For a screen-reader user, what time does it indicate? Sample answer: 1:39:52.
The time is 3:14:08
